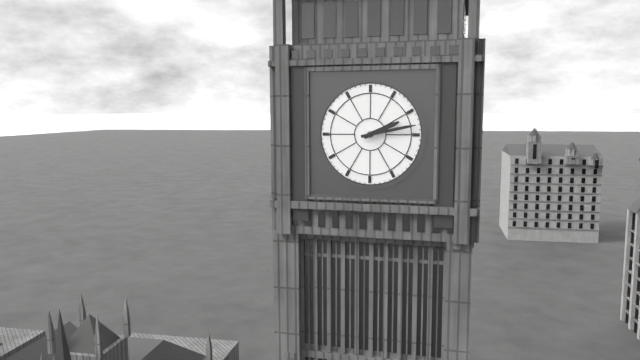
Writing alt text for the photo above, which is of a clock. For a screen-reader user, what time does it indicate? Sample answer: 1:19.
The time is 2:13
